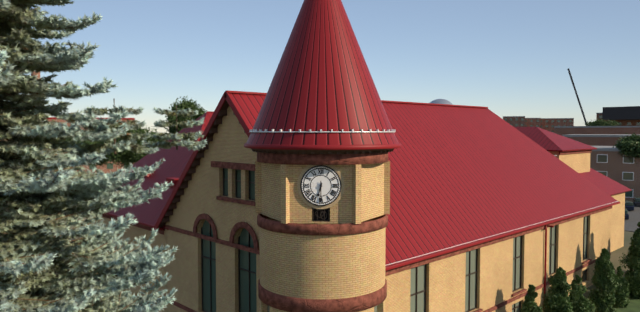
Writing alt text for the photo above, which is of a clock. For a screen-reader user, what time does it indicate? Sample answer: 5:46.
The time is 6:30
